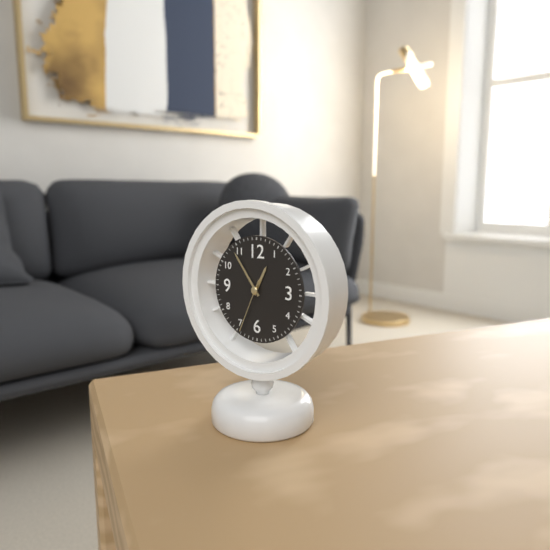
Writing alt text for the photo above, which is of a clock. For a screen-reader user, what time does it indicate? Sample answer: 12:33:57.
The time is 12:54:34
